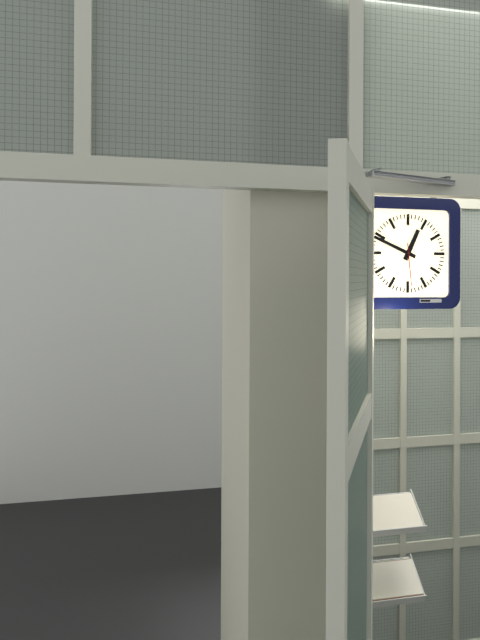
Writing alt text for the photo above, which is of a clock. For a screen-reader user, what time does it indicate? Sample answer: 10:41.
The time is 12:49
